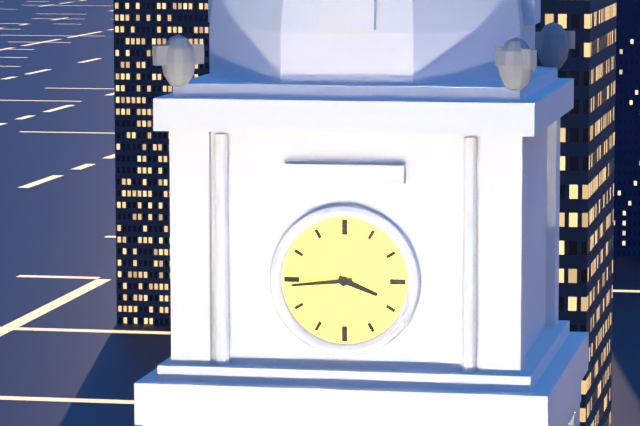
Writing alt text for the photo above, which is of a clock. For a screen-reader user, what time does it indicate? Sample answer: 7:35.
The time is 3:44
